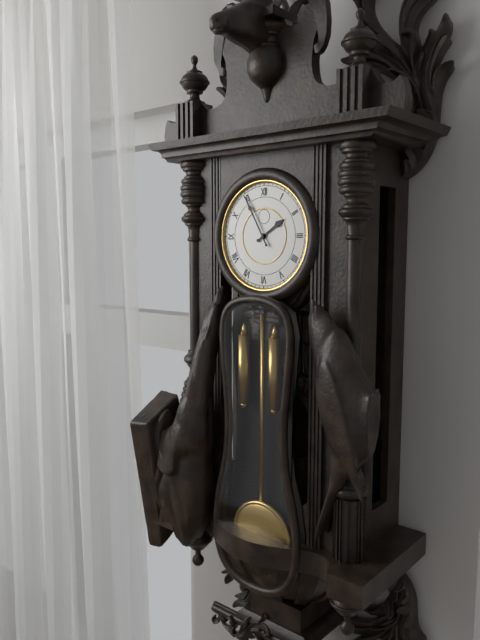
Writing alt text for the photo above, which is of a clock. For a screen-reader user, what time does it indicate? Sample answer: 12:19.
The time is 1:55
